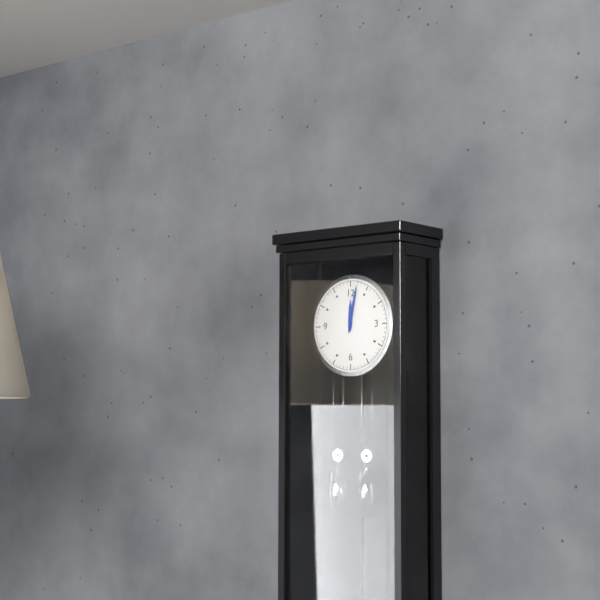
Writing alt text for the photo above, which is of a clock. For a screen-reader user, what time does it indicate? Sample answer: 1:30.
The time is 12:02
